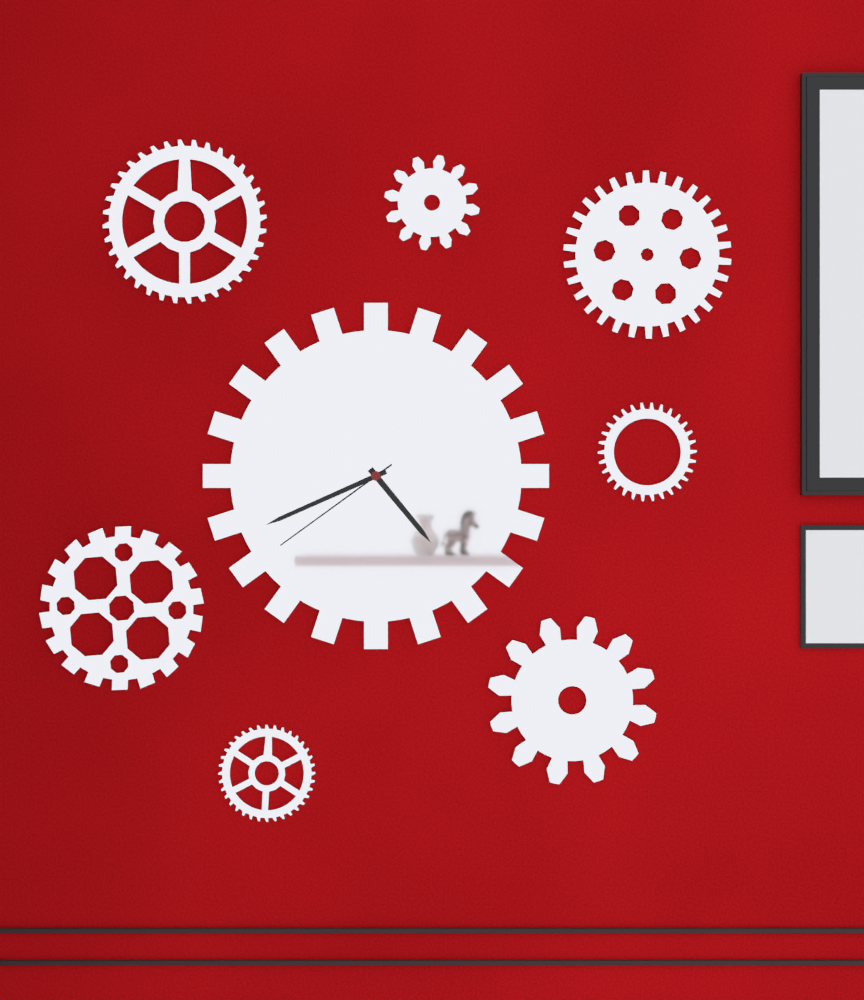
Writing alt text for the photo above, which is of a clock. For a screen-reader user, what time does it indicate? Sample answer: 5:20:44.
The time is 4:41:39
